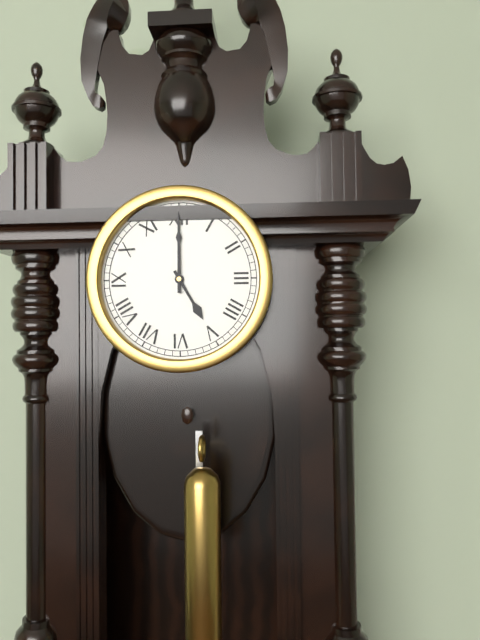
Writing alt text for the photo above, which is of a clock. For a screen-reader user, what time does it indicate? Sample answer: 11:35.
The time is 5:00
